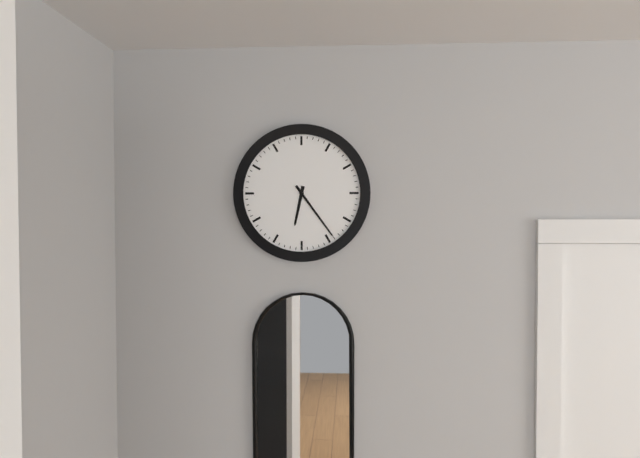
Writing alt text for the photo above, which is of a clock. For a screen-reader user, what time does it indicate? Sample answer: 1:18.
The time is 6:24
